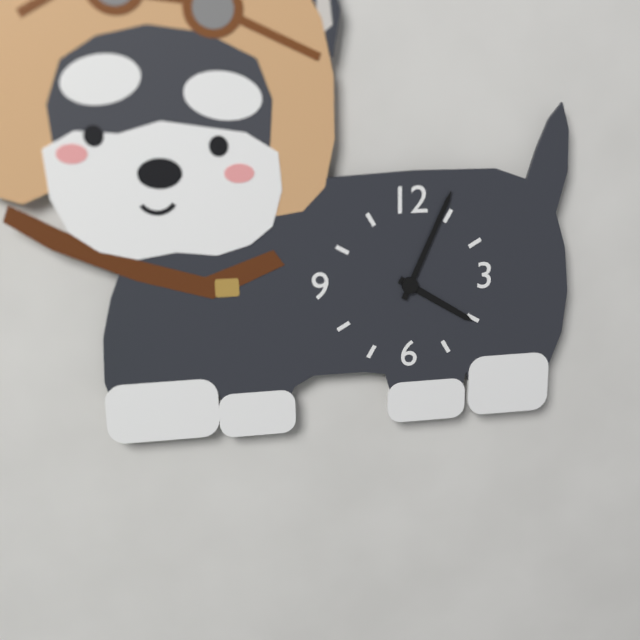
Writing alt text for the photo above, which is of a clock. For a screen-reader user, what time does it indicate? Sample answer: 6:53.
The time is 4:04
